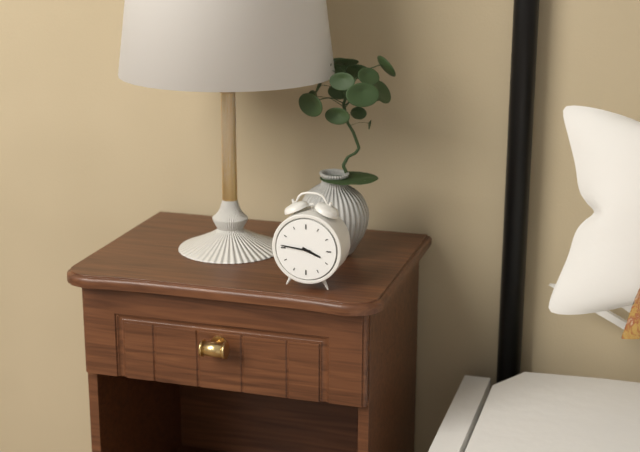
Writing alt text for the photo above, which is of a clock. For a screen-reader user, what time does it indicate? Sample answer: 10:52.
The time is 3:46
